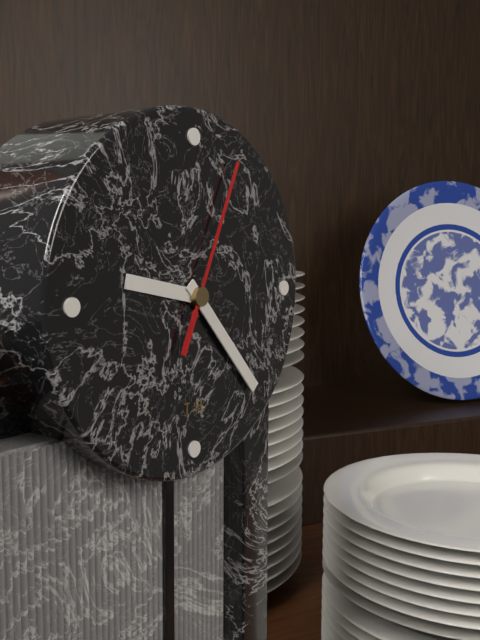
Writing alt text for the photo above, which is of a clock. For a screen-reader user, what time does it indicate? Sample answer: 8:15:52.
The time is 9:23:04
